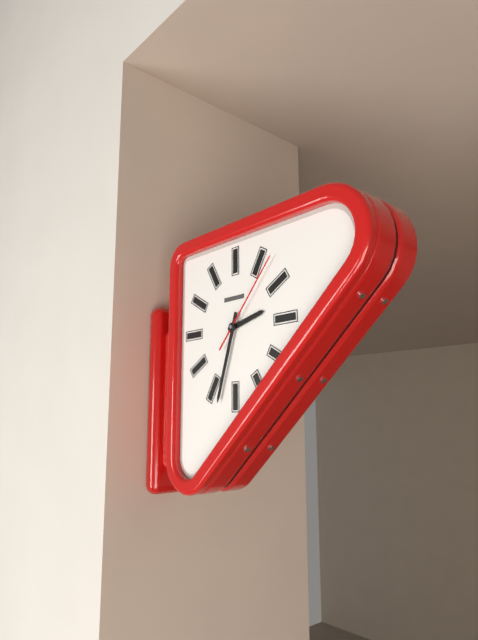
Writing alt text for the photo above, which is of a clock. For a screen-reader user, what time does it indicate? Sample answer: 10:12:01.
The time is 2:33:07
